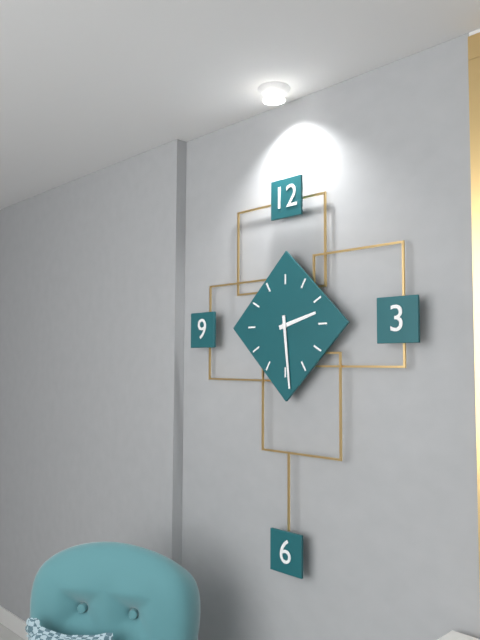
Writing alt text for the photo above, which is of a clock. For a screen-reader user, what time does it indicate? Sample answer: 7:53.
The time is 2:29
